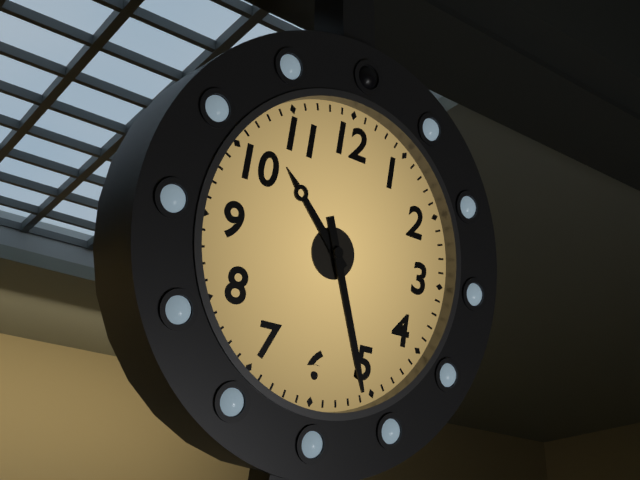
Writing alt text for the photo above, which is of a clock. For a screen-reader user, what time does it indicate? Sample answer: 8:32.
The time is 10:26
